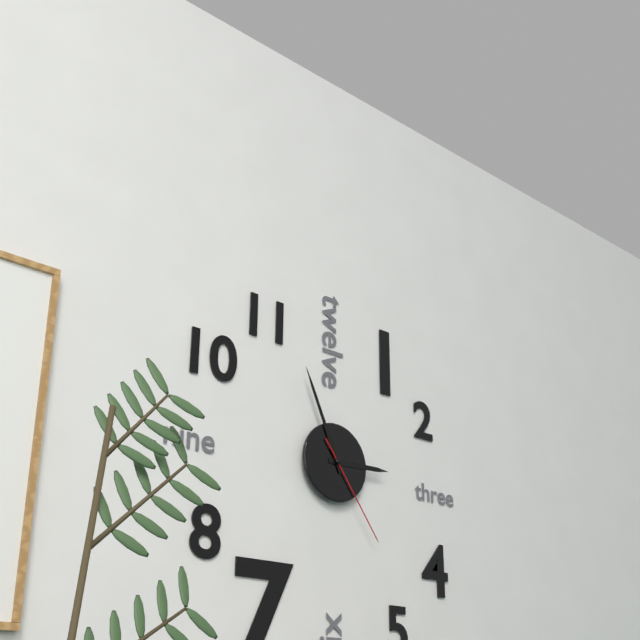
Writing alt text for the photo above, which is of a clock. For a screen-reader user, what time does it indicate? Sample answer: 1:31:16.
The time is 2:56:24
